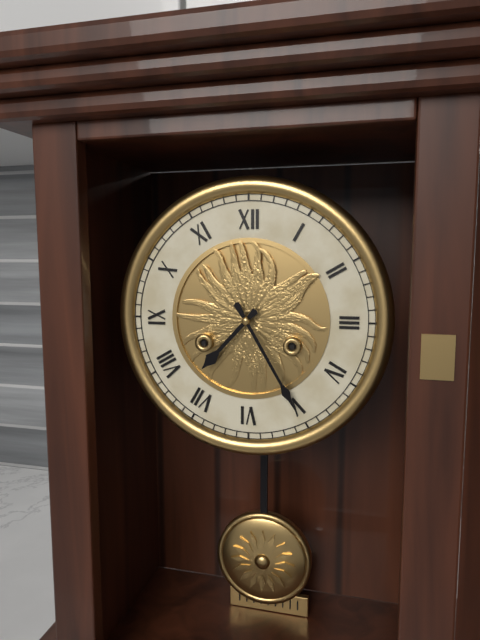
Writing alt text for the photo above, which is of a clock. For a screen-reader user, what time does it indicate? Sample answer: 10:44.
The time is 7:25
